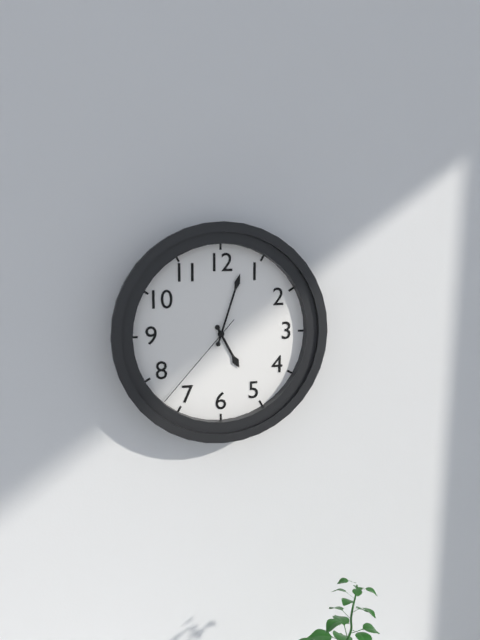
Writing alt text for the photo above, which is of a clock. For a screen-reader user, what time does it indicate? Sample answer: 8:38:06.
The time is 5:03:37
